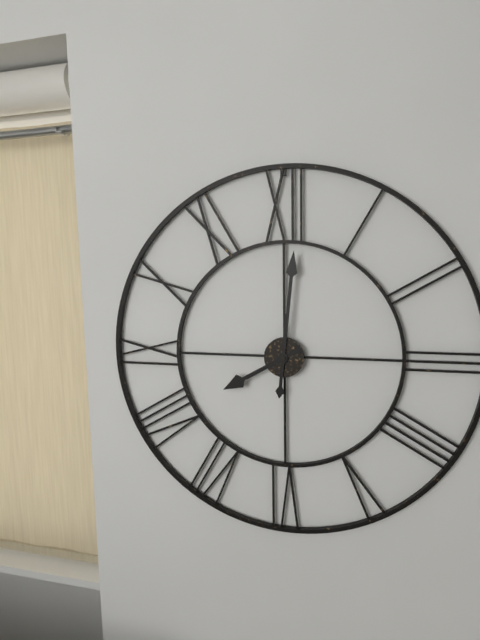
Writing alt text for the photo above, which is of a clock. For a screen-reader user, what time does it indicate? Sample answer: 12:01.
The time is 8:01
